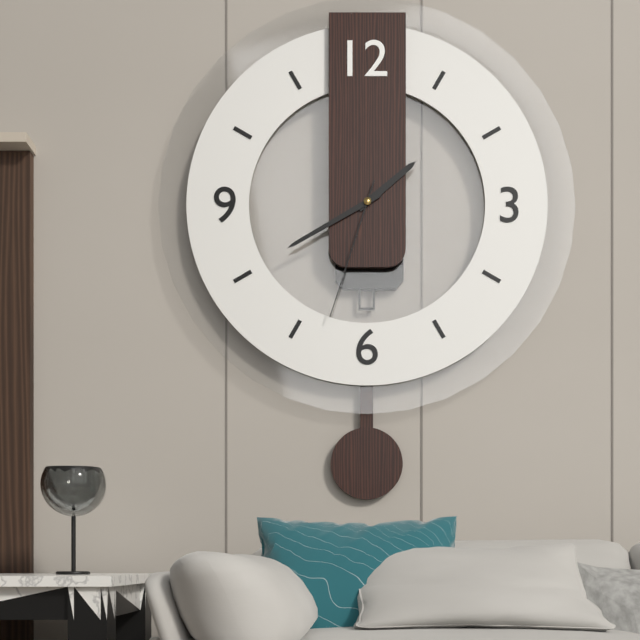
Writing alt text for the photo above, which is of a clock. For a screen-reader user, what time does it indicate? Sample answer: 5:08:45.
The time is 1:40:33
